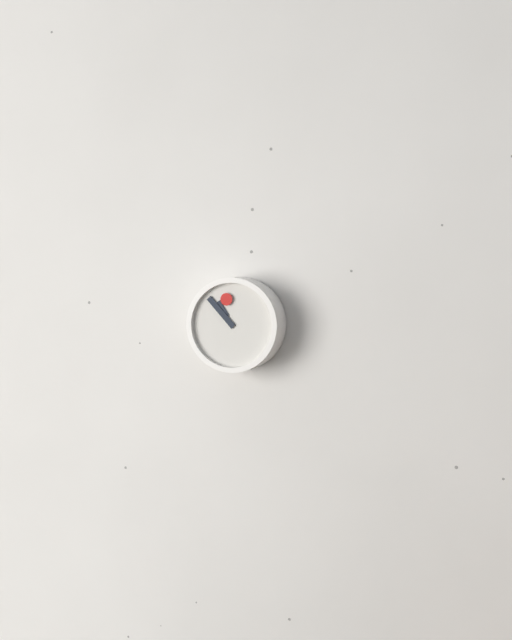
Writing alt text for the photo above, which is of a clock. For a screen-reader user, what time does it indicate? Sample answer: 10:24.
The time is 10:53
